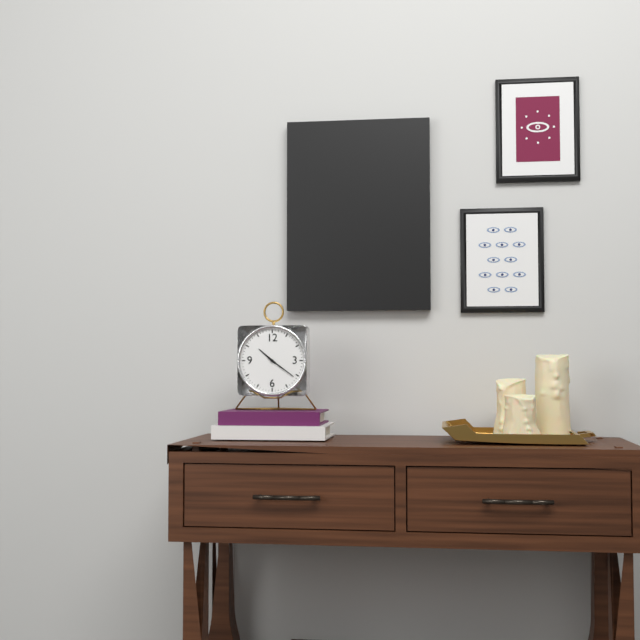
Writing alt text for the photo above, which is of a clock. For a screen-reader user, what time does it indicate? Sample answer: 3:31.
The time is 10:21
